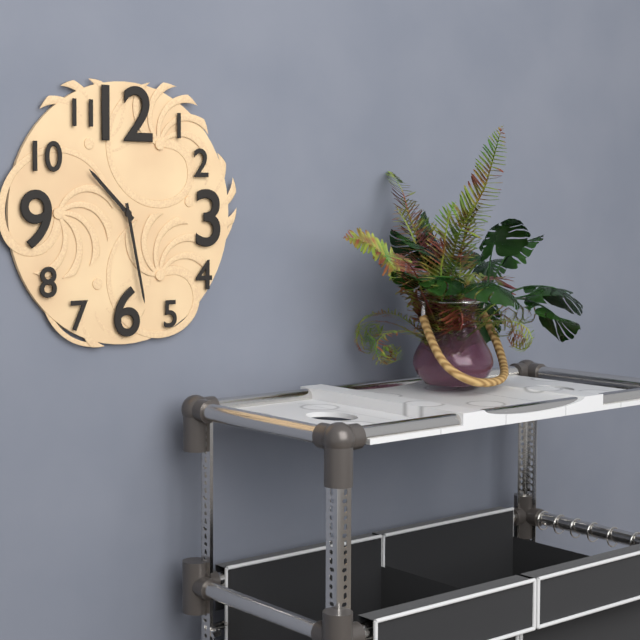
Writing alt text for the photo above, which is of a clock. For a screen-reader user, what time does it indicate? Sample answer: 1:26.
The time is 10:28
